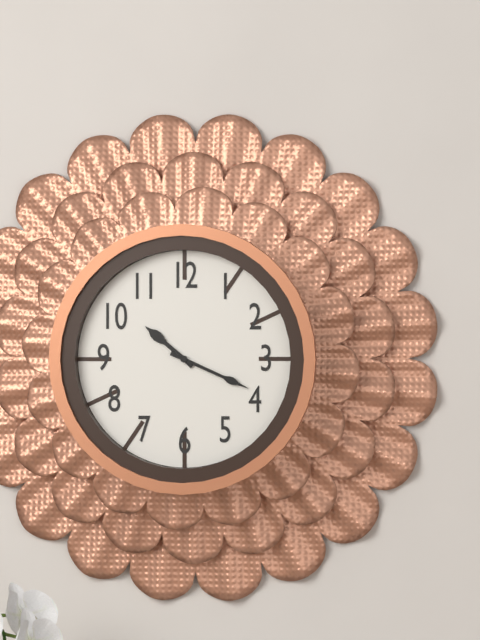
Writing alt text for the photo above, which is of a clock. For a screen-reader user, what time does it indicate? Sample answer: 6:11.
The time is 10:19
